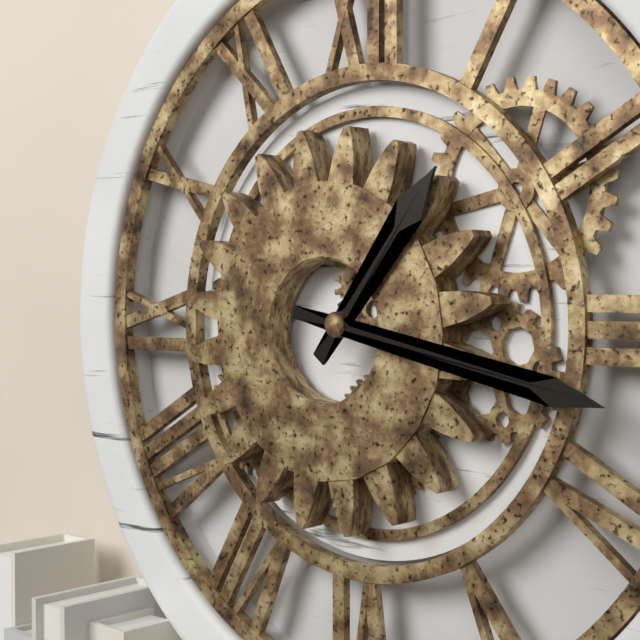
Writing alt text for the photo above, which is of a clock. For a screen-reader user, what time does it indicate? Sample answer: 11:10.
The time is 1:17
